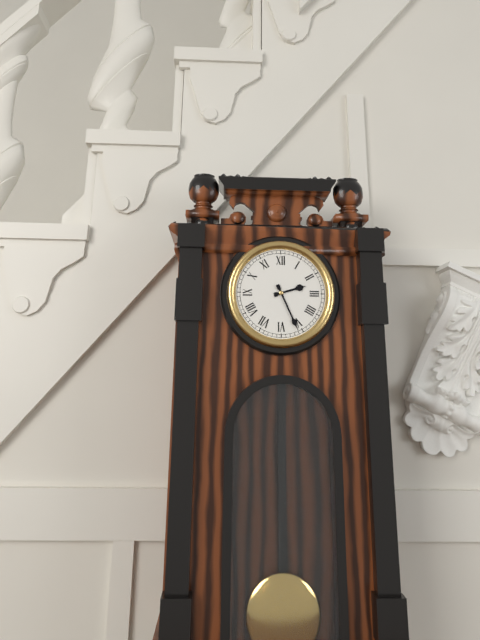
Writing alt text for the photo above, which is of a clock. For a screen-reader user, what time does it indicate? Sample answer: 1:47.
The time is 2:26
